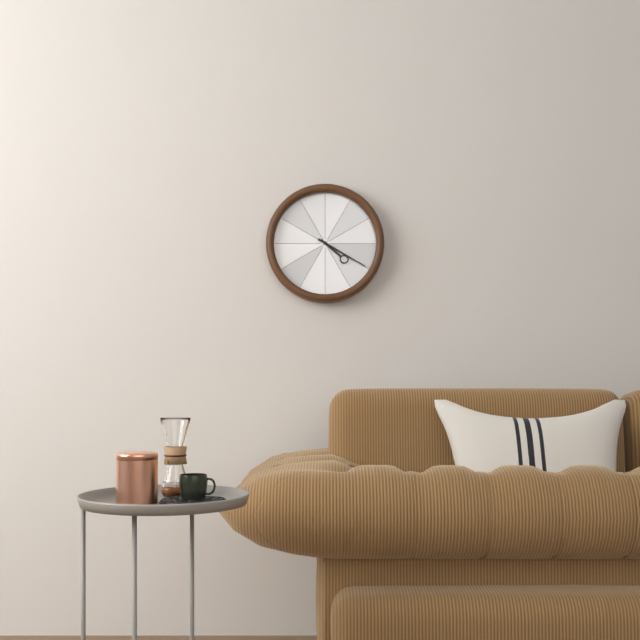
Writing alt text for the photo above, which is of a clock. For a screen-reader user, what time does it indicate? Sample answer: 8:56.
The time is 4:20
